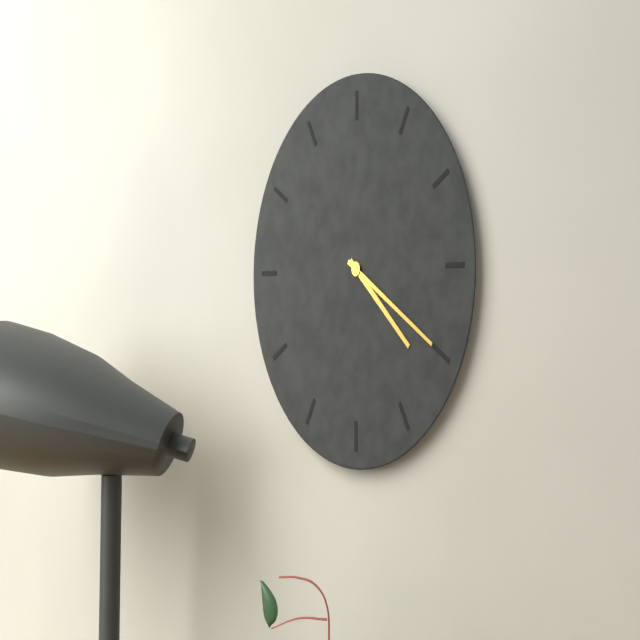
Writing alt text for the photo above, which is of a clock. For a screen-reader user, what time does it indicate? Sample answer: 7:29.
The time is 4:20
